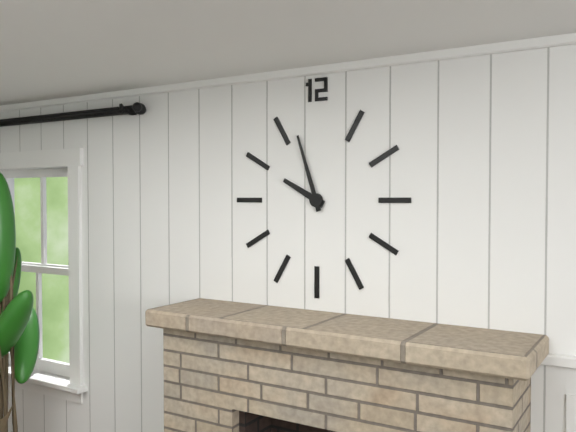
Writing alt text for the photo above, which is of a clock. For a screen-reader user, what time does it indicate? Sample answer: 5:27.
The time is 9:57
